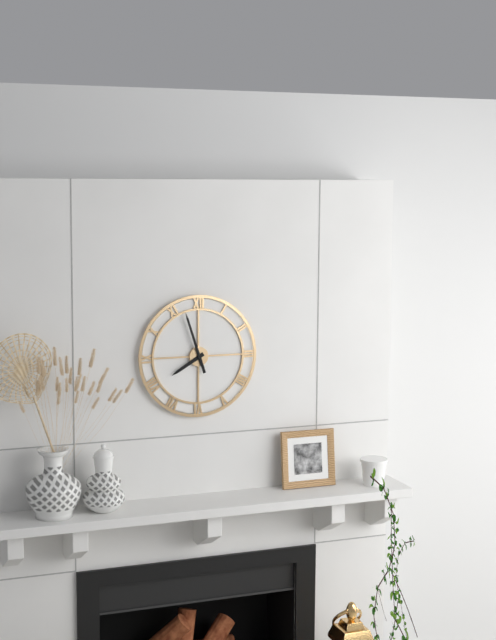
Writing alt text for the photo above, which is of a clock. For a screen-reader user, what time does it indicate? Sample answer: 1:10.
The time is 7:57
